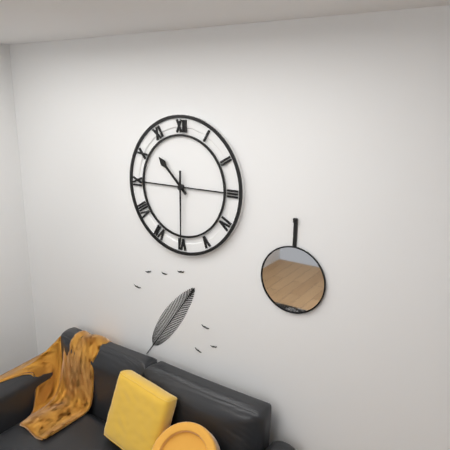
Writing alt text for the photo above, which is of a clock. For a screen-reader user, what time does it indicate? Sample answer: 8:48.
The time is 10:30
